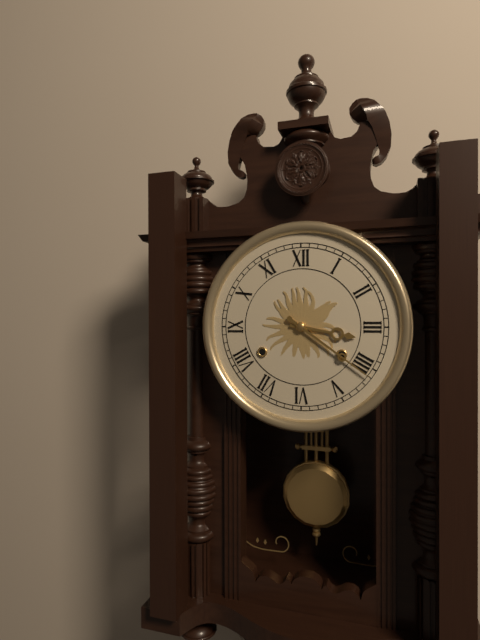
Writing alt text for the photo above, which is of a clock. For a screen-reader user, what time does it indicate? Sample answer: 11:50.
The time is 3:21
